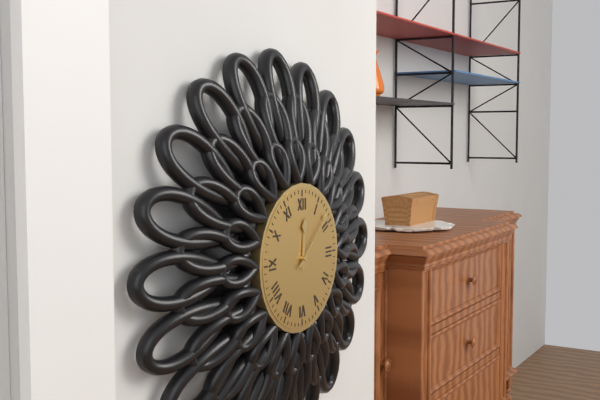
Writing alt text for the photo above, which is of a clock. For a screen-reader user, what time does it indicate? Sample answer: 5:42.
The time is 12:08
